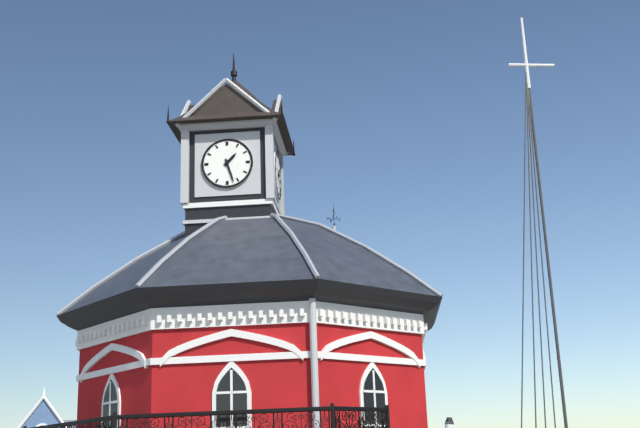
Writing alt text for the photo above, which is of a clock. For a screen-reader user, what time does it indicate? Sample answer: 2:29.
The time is 1:27
